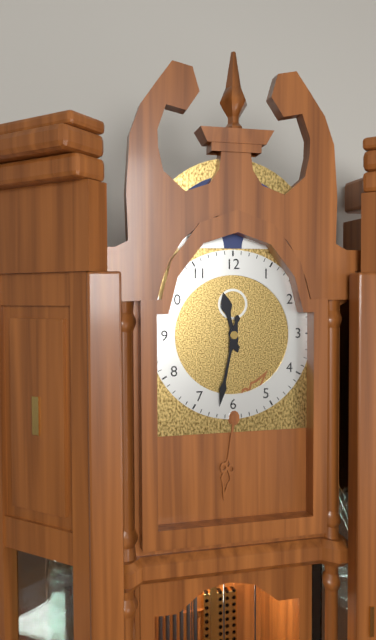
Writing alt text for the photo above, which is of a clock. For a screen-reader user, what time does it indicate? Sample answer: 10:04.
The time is 11:32
